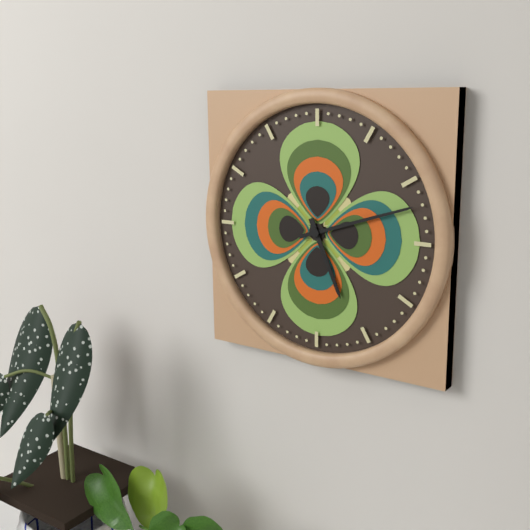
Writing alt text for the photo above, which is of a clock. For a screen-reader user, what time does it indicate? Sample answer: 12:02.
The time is 5:12
